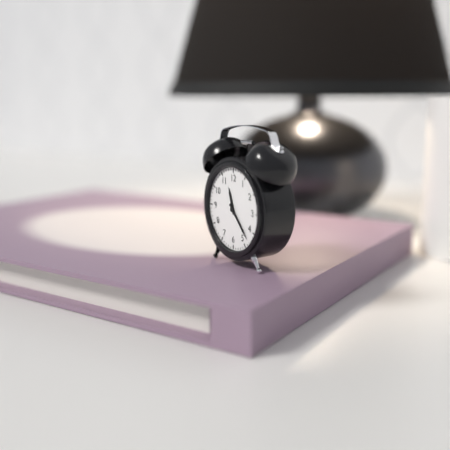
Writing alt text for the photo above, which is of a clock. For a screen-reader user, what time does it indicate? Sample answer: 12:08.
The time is 11:23
